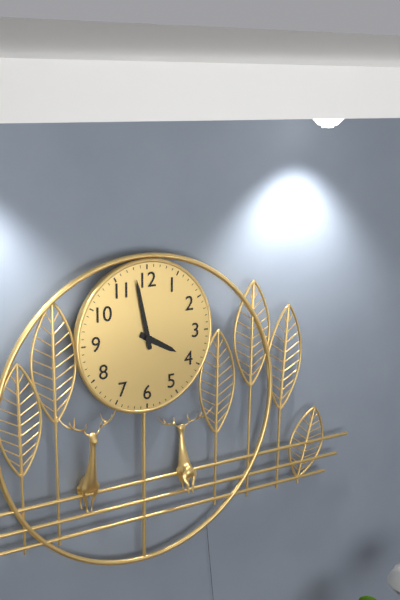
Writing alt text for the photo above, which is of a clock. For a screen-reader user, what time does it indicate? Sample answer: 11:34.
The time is 3:58
